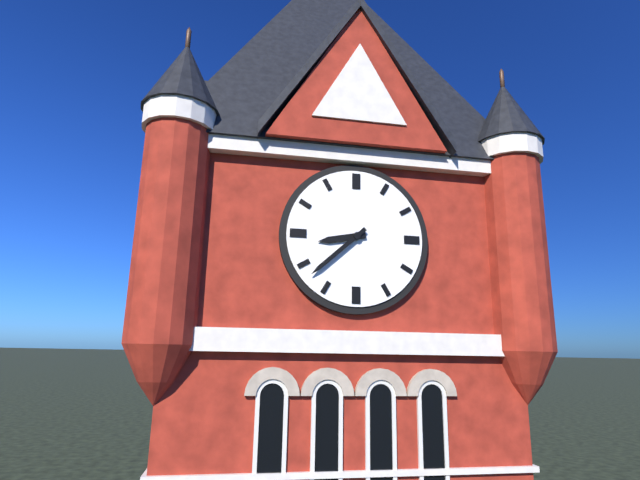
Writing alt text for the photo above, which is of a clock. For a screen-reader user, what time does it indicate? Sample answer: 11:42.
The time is 8:38
